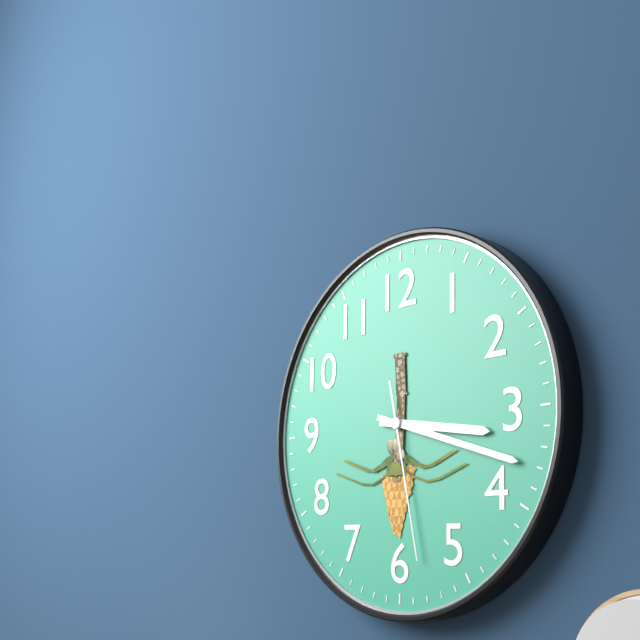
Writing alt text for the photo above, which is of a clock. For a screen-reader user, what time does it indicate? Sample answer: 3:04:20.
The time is 3:18:28
